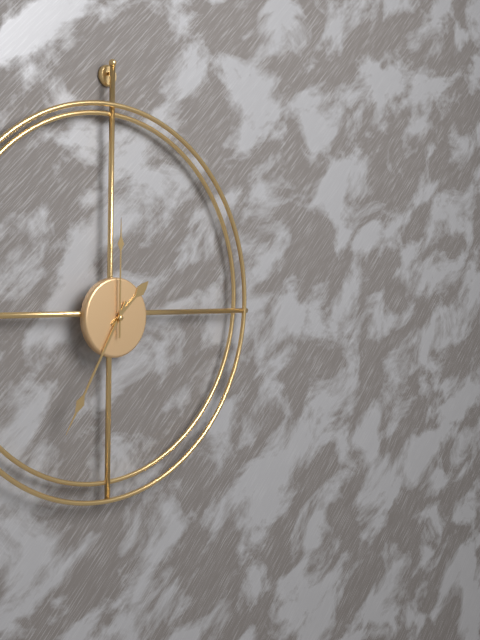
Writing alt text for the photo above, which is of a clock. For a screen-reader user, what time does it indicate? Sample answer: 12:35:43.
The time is 1:35:00
